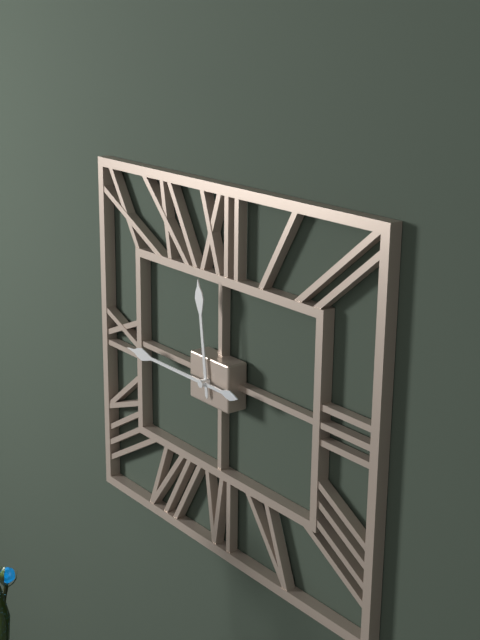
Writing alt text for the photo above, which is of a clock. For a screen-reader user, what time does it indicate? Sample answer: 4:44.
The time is 11:45
